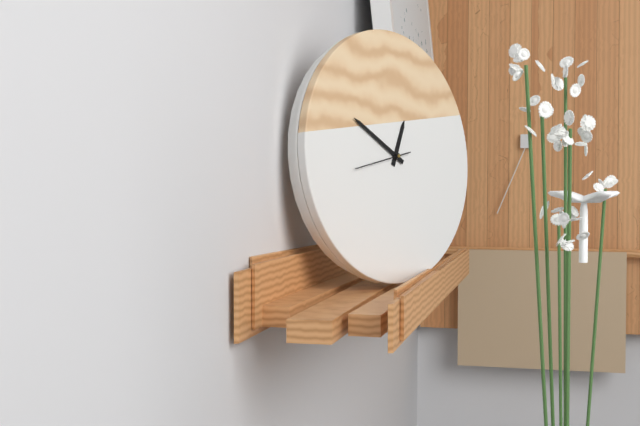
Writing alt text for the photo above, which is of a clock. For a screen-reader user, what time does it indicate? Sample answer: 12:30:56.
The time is 12:50:43
